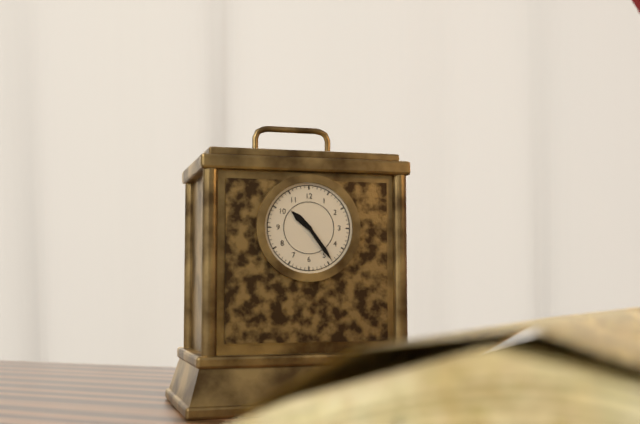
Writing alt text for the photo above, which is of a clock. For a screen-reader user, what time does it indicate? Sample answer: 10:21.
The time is 10:24
